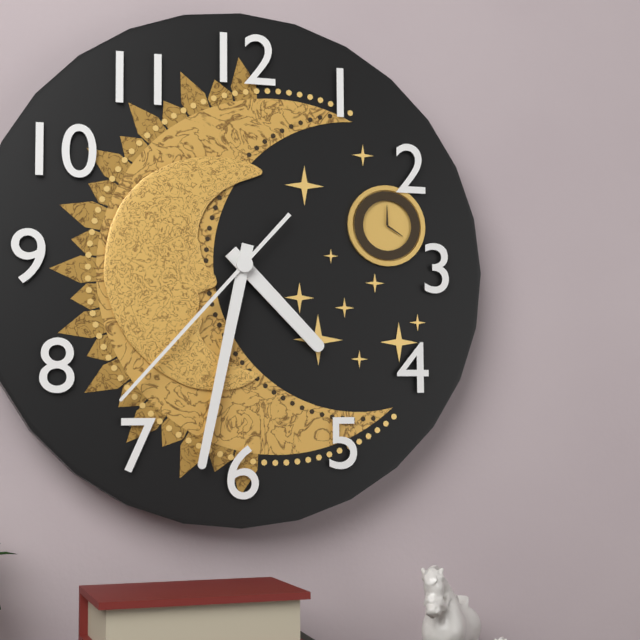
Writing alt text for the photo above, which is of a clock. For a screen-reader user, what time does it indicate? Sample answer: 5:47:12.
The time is 4:32:37
